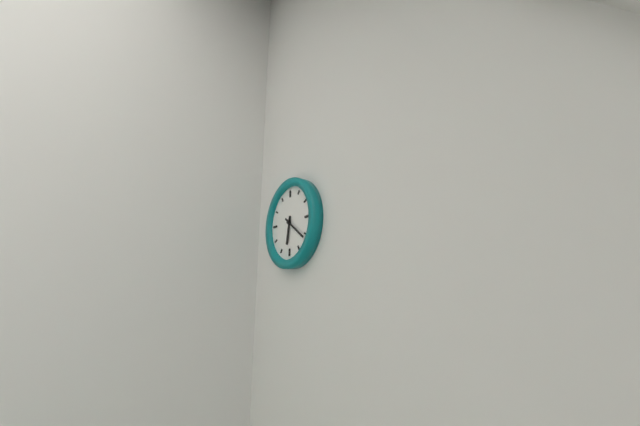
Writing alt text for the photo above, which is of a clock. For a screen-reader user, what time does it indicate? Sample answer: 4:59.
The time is 6:21
